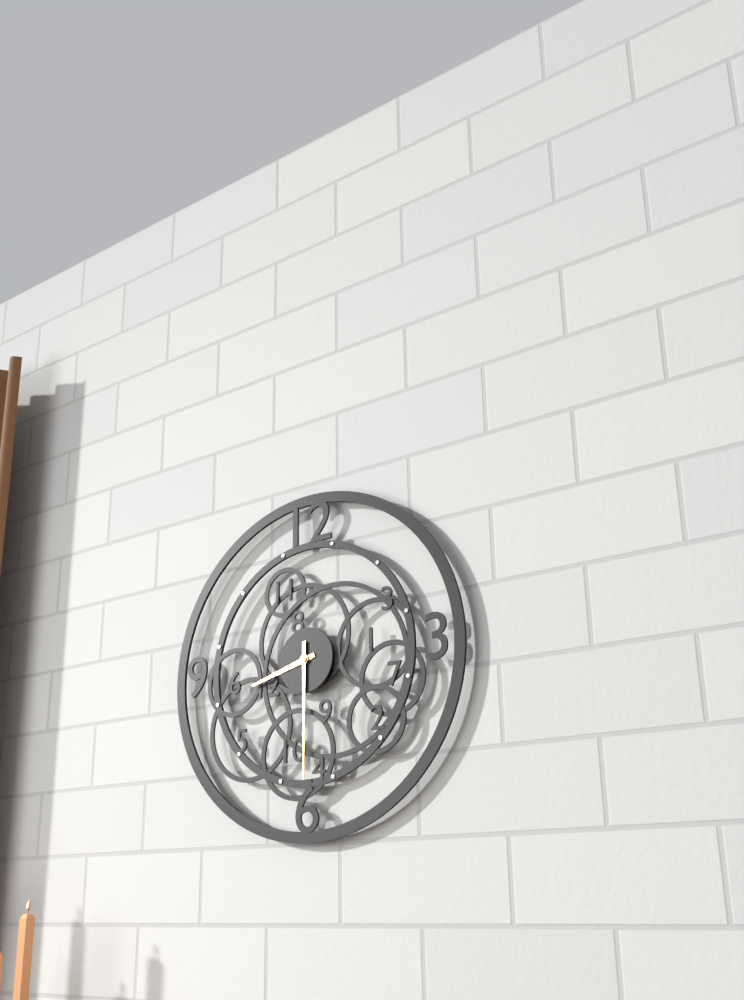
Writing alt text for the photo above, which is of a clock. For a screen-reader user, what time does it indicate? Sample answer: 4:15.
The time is 8:30
